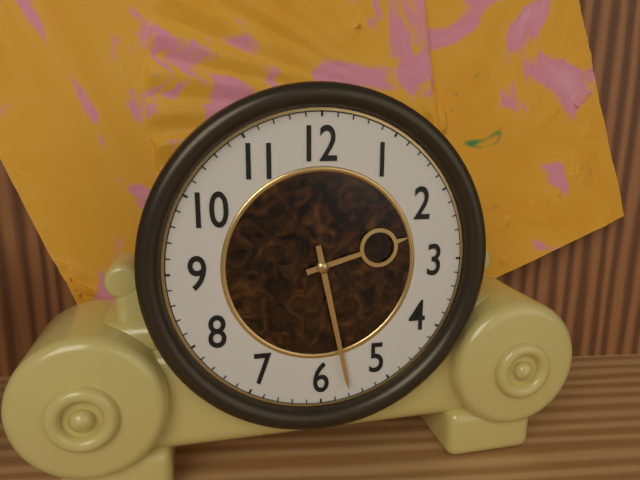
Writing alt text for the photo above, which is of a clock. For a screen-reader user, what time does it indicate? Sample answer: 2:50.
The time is 2:28
